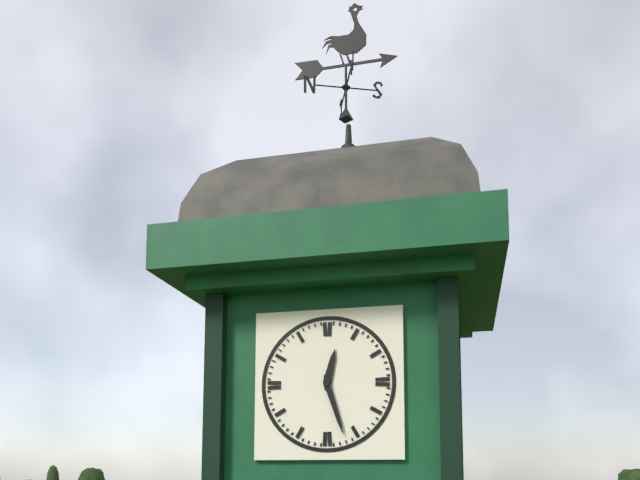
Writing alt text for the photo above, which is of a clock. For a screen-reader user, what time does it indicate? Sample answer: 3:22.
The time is 12:27
